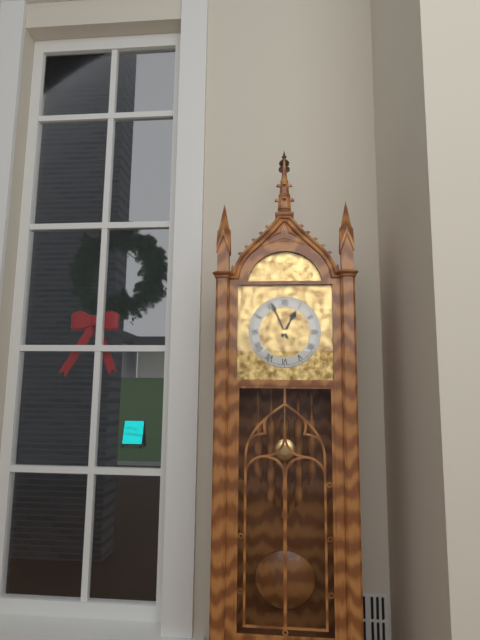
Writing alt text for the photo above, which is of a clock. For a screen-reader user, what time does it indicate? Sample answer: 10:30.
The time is 12:56
